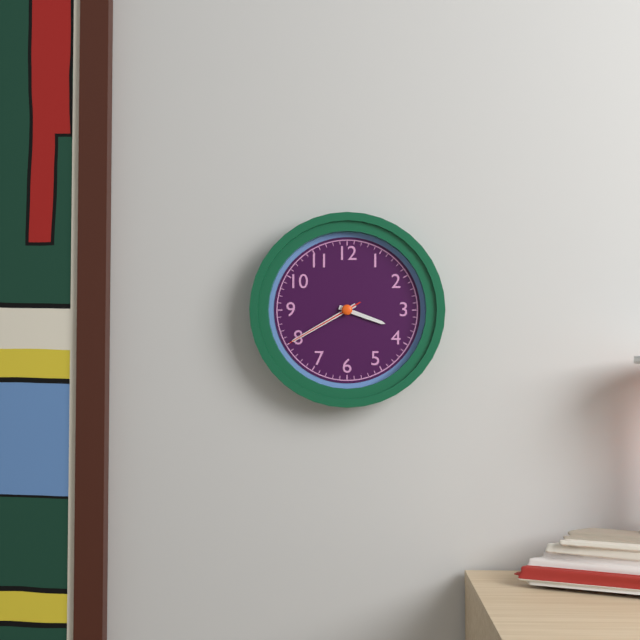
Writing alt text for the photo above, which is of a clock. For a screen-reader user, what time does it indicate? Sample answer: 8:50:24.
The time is 3:40:40
